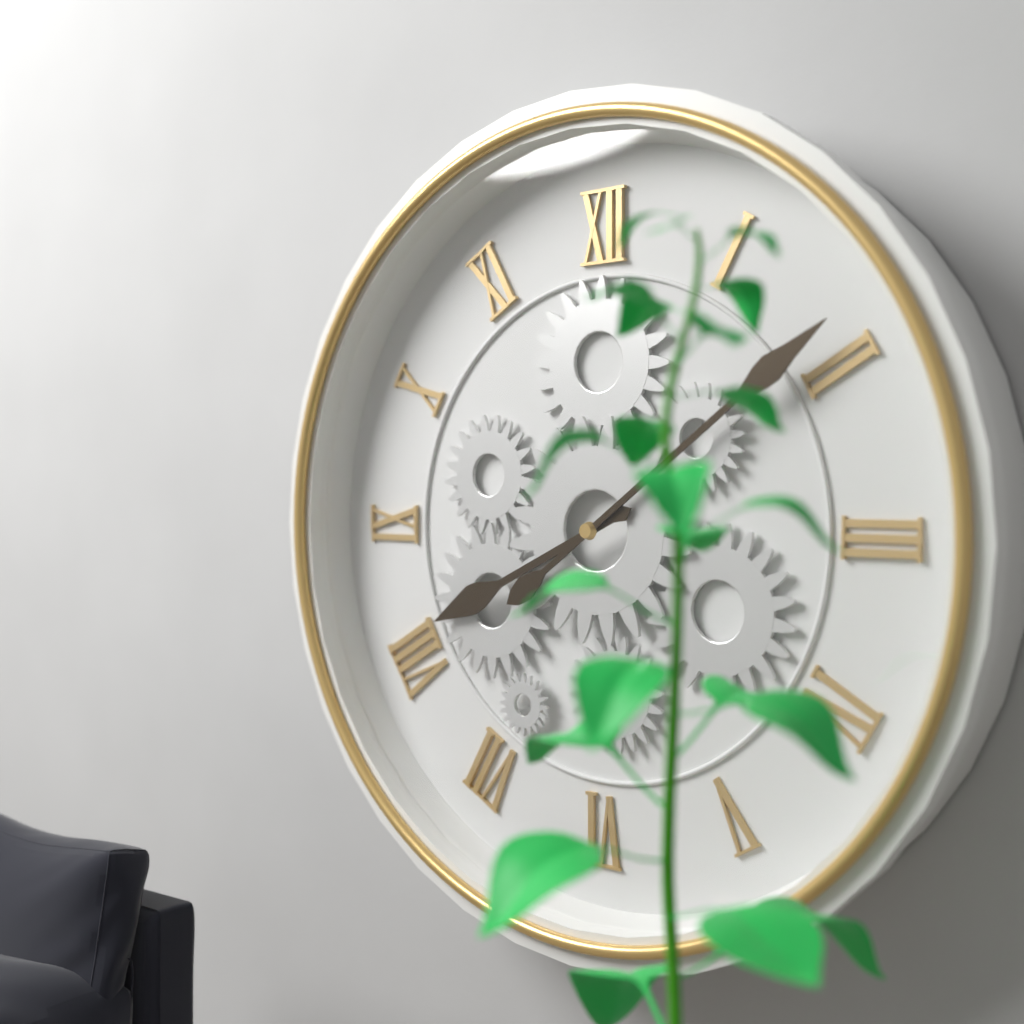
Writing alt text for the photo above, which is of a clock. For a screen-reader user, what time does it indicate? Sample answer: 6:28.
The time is 8:09
